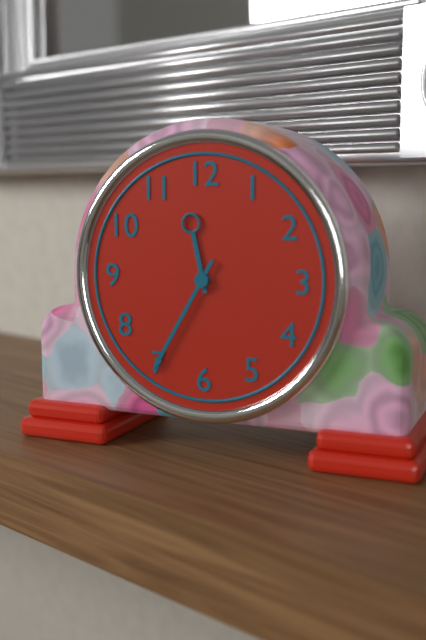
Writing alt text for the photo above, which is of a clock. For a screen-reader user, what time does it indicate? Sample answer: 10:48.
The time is 11:35
